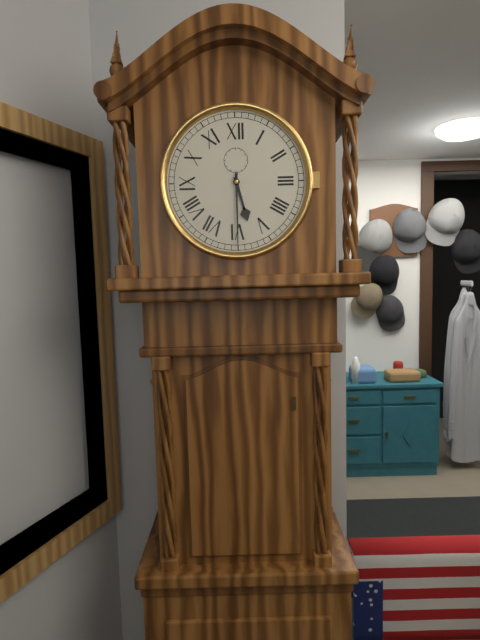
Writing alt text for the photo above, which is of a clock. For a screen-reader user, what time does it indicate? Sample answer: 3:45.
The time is 5:30
